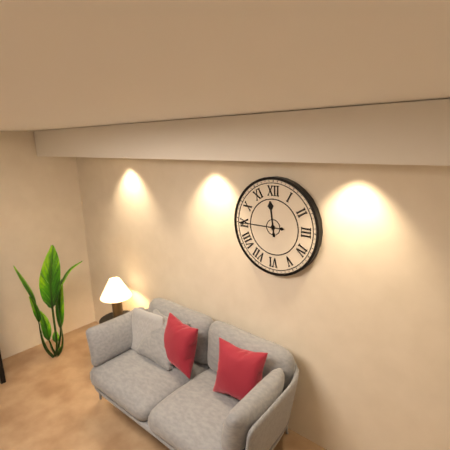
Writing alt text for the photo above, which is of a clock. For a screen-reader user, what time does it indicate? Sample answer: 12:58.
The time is 11:45
